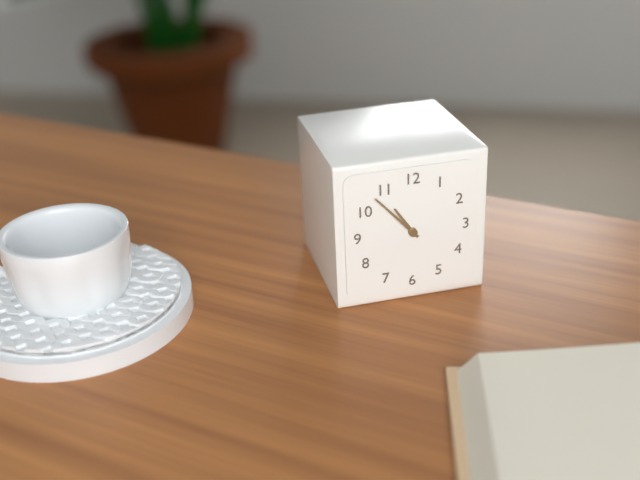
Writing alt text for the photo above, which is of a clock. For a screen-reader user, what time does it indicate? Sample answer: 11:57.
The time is 10:53
